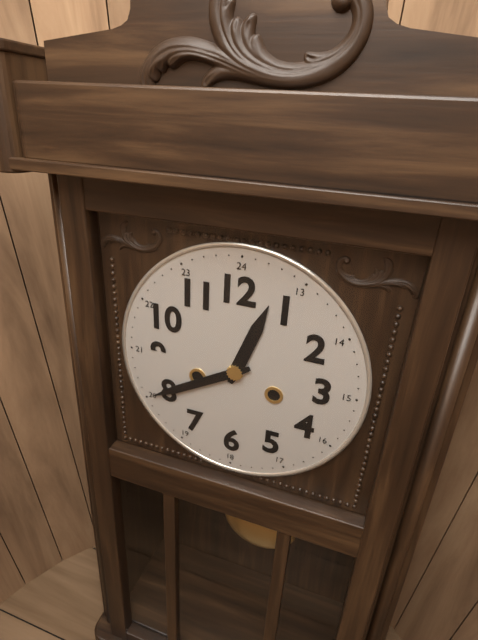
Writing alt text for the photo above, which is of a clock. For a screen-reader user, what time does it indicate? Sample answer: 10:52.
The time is 12:40
